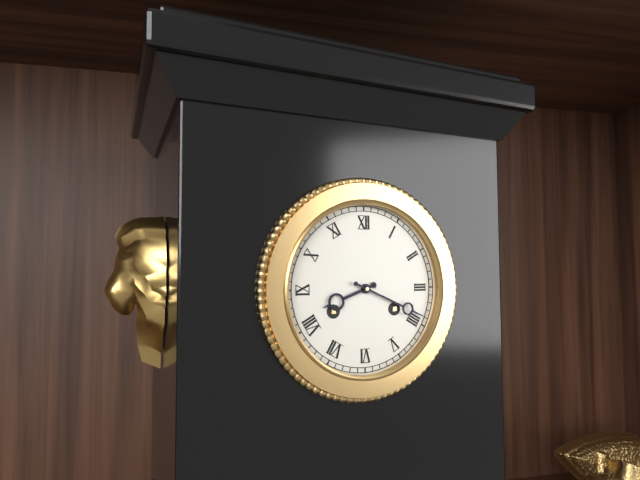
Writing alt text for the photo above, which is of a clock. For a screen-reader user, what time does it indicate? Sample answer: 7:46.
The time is 8:19
